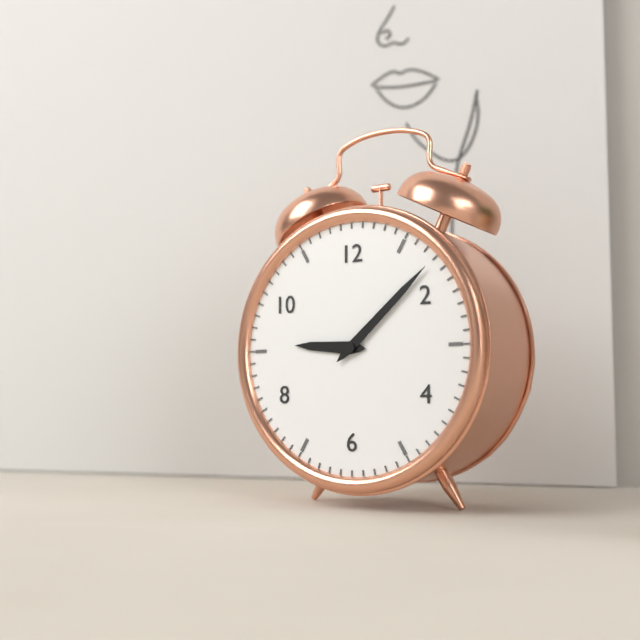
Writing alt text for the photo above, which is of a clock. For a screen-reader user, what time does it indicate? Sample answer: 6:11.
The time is 9:08
